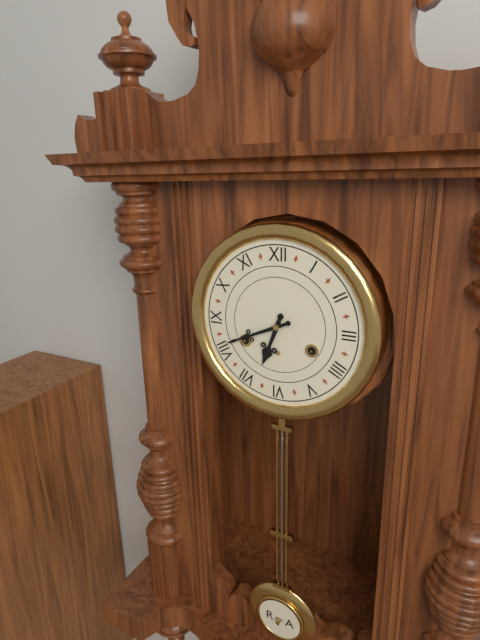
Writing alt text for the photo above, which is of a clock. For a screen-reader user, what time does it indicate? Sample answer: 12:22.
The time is 6:41
